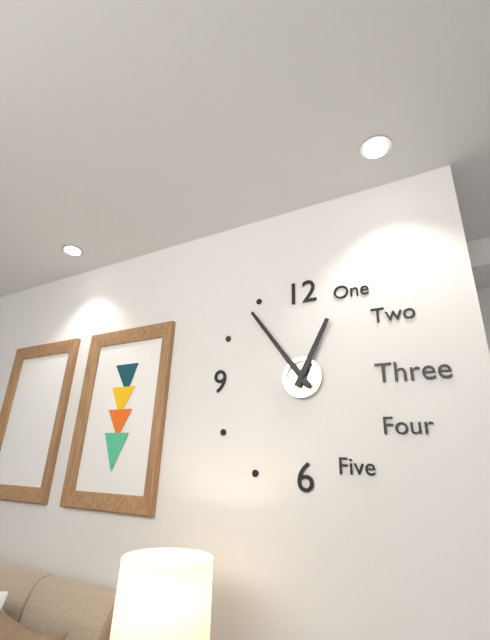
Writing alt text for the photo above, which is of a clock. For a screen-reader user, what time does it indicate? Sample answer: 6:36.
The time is 12:54
